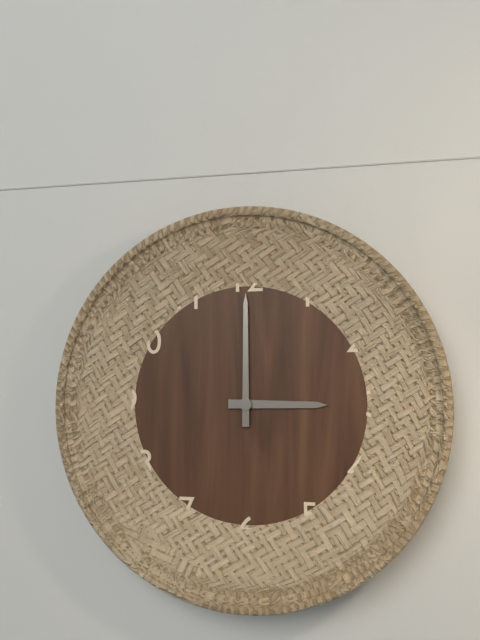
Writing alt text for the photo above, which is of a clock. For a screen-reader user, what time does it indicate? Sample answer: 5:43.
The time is 3:00
